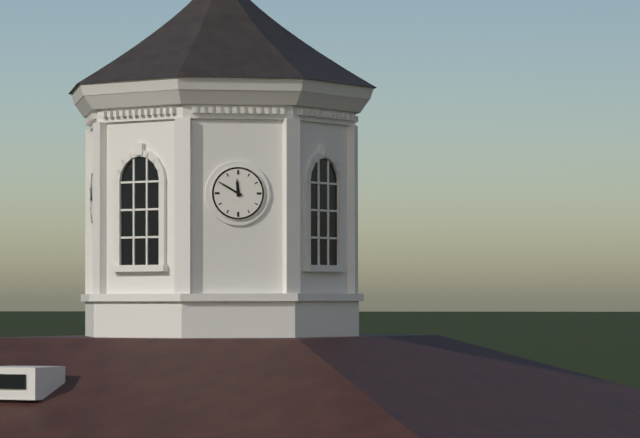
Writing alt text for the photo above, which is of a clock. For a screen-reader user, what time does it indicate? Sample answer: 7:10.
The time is 11:50
